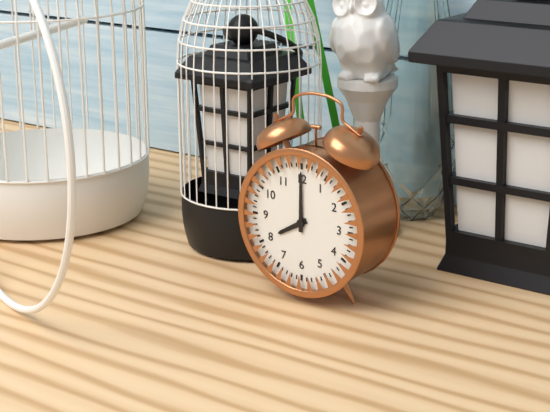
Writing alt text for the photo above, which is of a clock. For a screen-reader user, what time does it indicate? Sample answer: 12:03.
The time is 8:00
